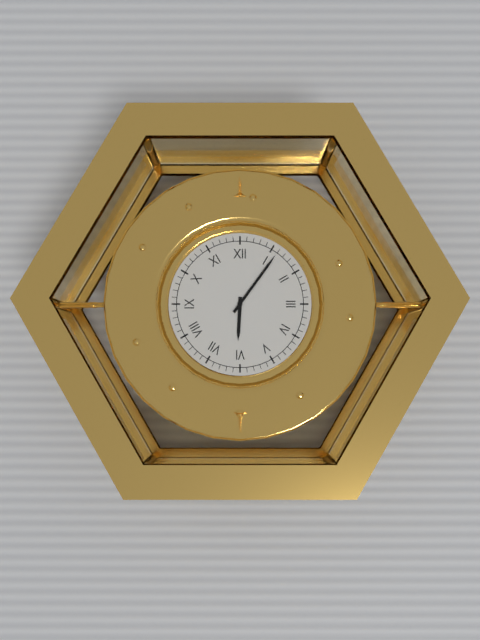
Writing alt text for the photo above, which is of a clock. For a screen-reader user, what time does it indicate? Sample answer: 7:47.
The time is 6:06
